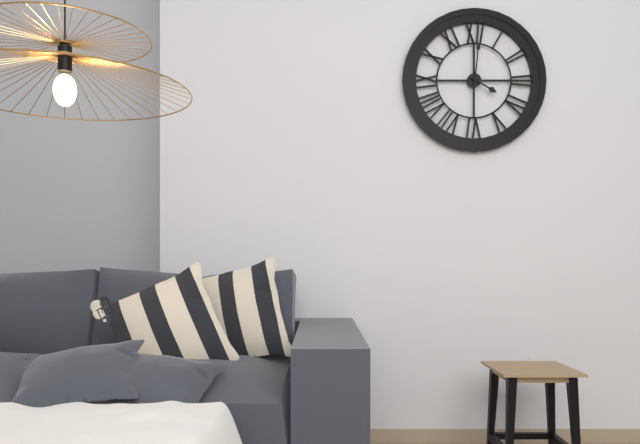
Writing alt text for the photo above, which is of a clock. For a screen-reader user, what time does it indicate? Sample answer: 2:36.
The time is 4:01
